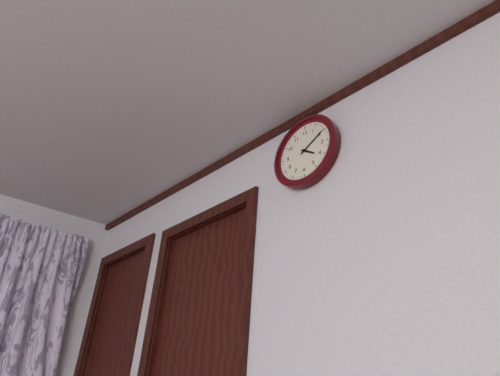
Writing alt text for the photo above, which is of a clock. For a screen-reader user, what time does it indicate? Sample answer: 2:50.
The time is 4:10
